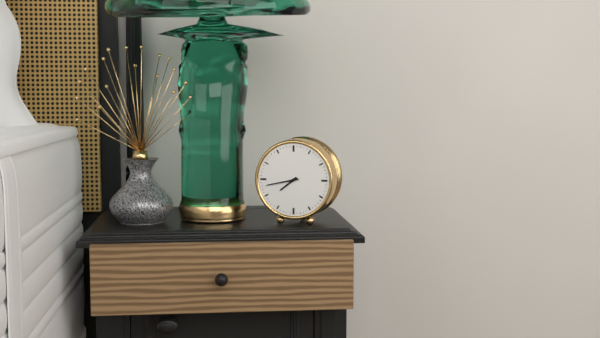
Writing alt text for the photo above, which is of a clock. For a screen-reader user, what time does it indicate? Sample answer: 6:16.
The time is 7:43
